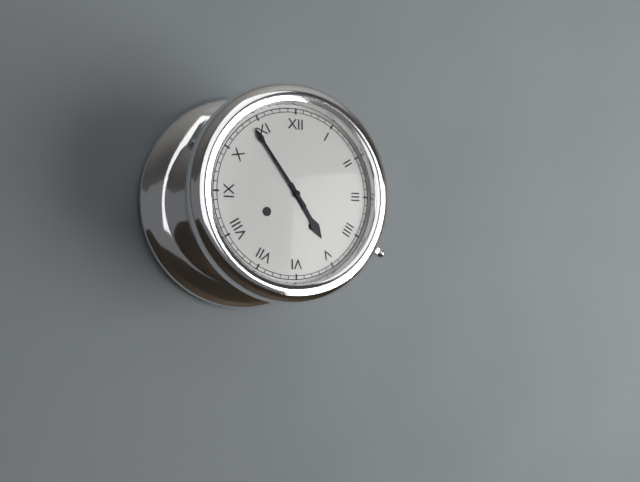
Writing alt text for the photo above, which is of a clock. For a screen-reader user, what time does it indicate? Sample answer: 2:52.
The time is 4:54
